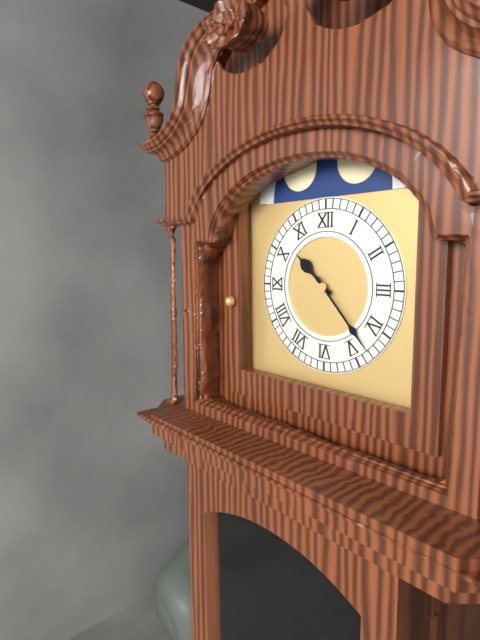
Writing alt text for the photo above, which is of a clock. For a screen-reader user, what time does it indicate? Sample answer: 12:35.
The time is 10:23
